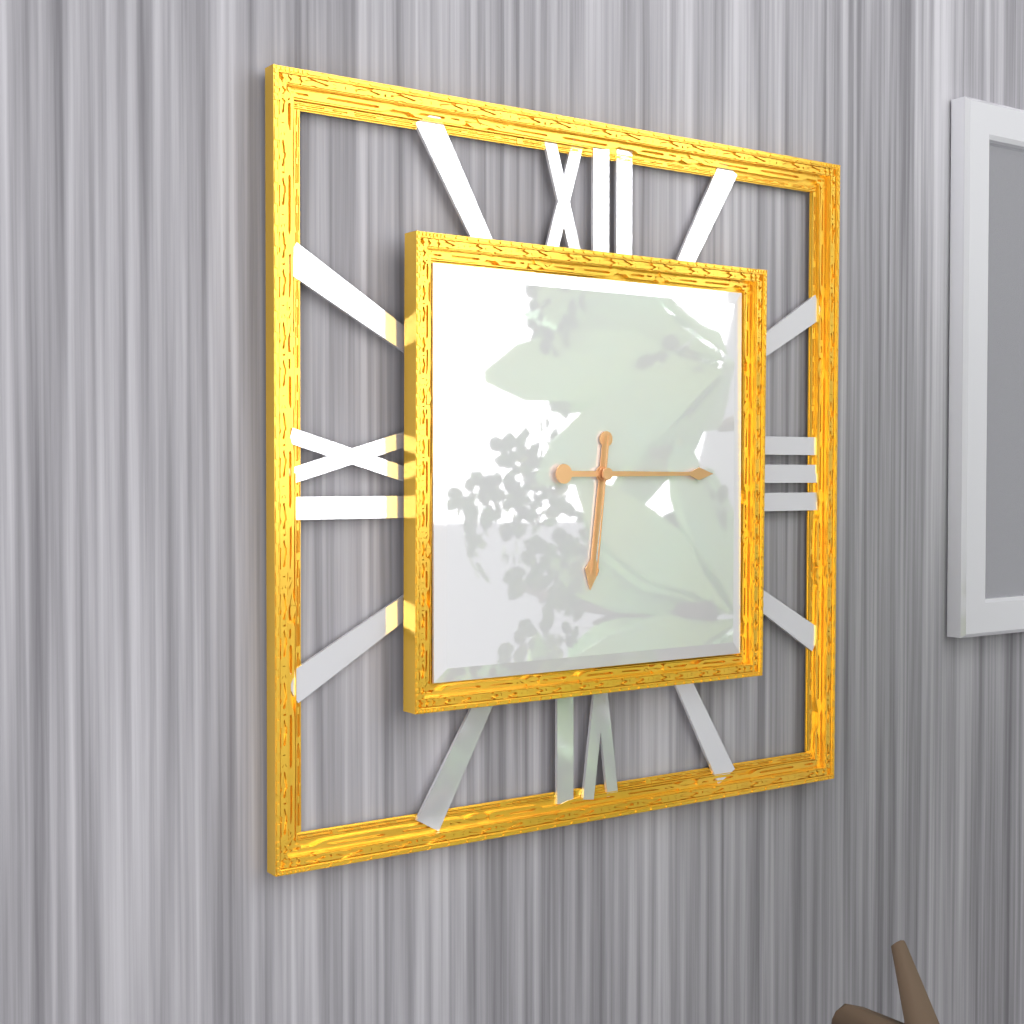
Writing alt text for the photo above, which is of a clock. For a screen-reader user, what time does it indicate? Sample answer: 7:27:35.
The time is 6:15:31
